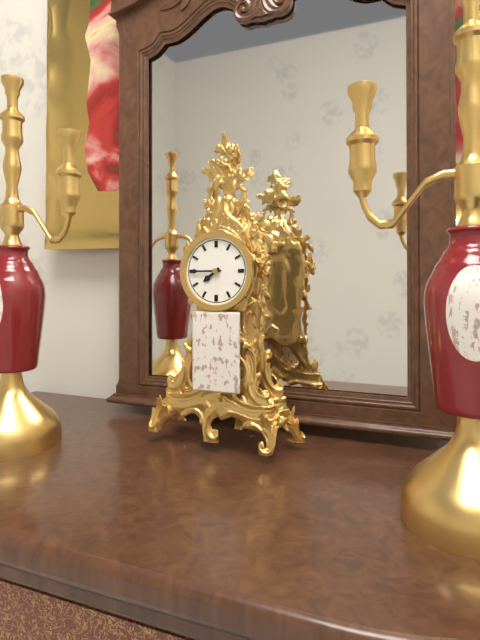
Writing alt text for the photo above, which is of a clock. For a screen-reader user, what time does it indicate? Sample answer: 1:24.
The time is 7:45
